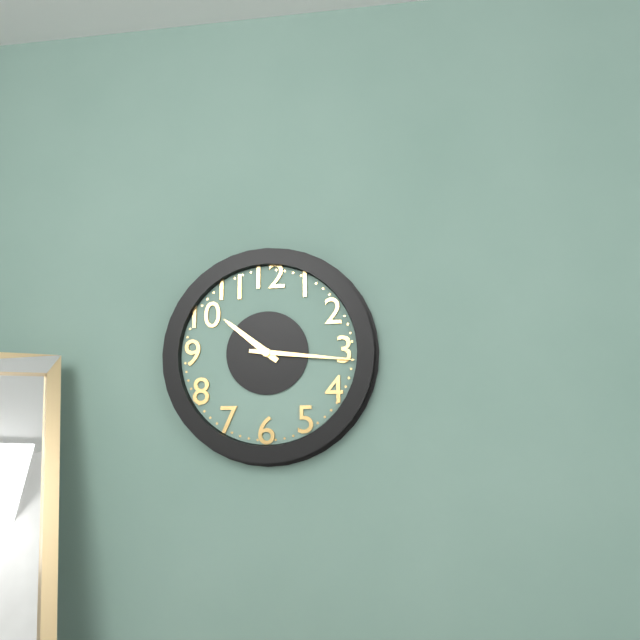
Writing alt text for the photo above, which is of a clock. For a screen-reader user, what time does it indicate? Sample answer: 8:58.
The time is 10:16
